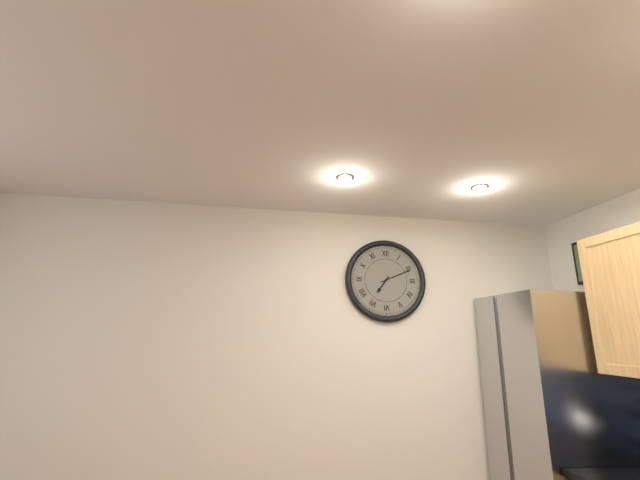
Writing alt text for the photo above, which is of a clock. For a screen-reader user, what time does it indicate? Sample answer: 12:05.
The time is 7:11
